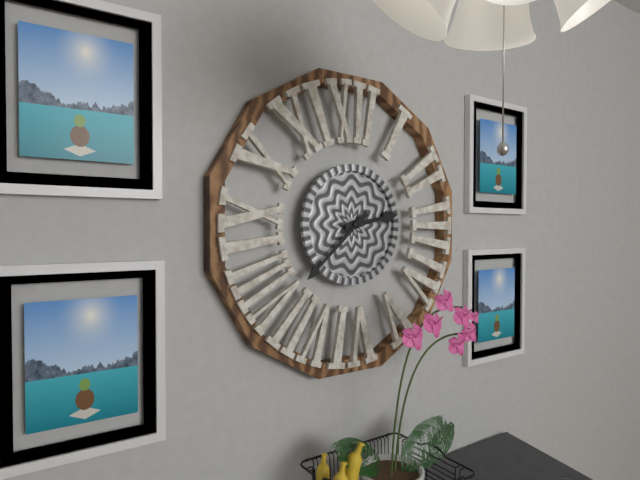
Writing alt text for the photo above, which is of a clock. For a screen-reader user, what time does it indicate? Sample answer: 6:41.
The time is 2:38
